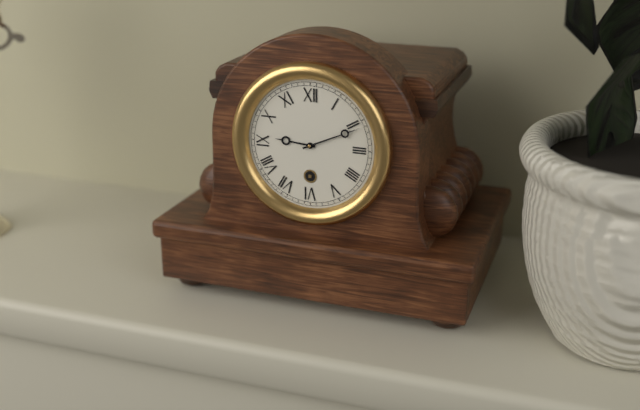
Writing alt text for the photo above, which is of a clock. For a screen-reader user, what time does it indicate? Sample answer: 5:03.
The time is 9:11
